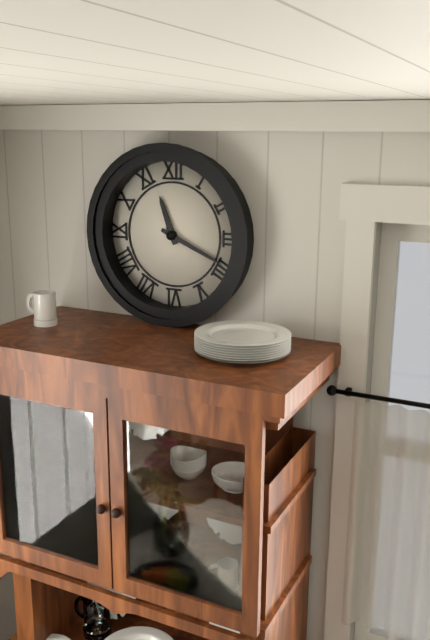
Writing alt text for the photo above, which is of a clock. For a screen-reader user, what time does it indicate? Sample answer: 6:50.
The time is 11:19
